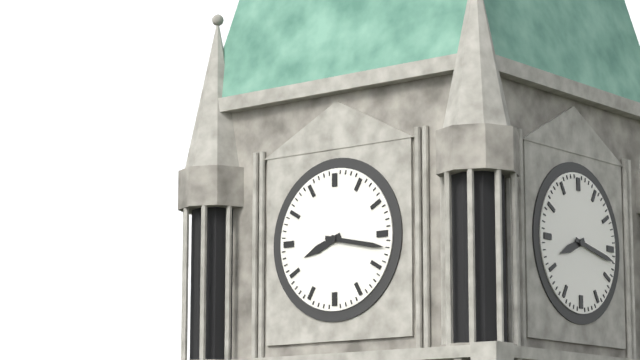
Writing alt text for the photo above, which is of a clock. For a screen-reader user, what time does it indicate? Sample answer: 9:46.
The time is 8:17
